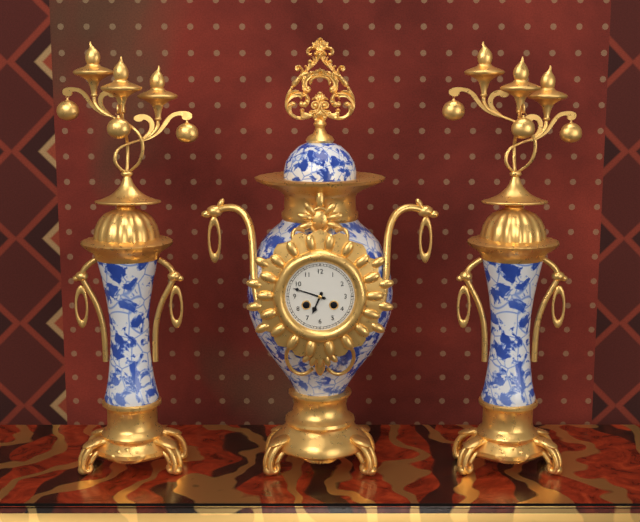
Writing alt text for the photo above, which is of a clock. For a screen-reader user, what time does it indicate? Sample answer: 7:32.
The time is 6:48
